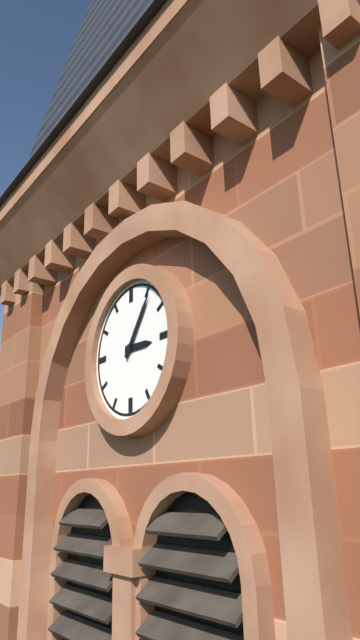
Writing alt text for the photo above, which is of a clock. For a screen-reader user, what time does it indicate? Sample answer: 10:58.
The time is 3:06
